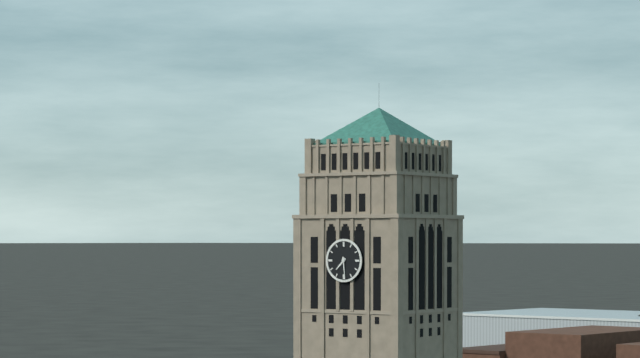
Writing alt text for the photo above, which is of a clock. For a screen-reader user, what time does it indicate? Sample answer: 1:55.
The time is 7:29
